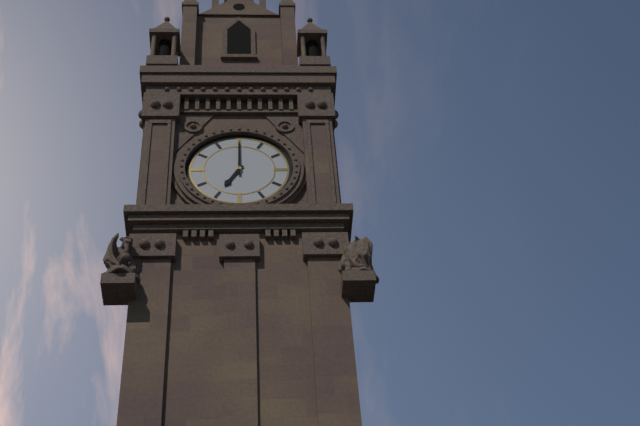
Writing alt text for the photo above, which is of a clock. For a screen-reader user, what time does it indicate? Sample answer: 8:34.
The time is 7:00
